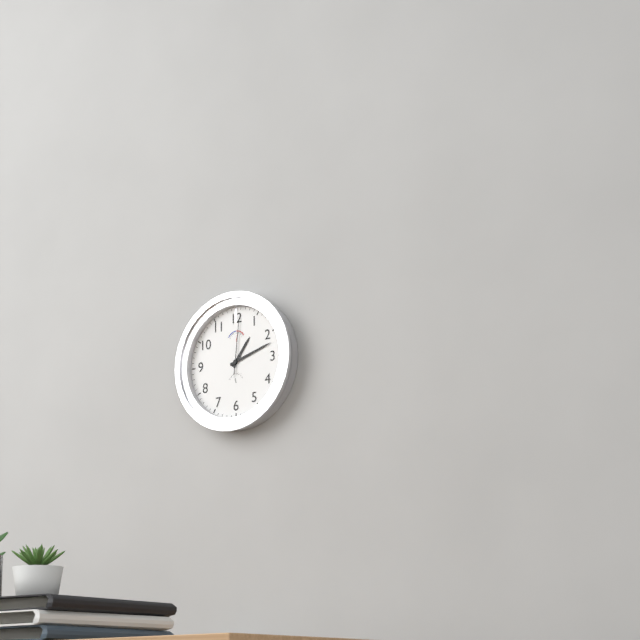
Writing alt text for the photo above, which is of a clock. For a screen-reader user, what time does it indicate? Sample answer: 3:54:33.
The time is 1:12:01
